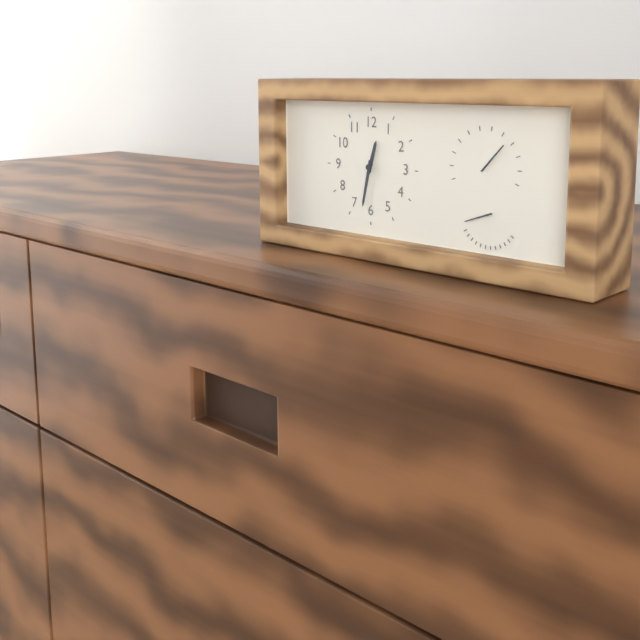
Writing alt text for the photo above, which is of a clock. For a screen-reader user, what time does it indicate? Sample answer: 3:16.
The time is 12:32
